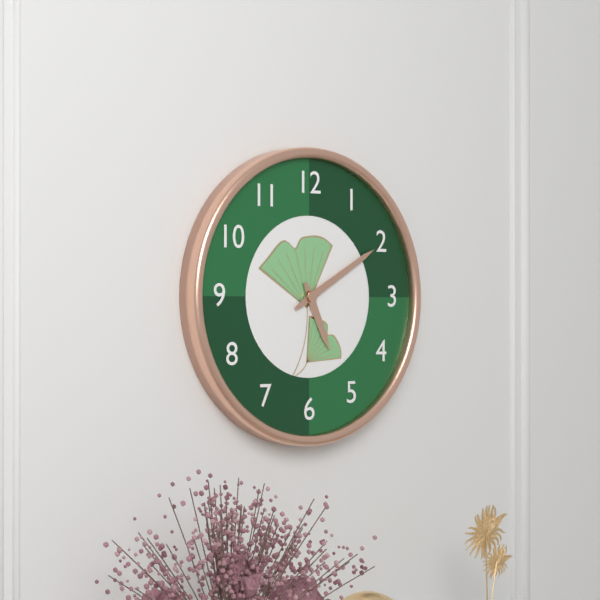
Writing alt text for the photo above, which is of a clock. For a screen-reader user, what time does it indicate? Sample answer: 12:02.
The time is 5:10
